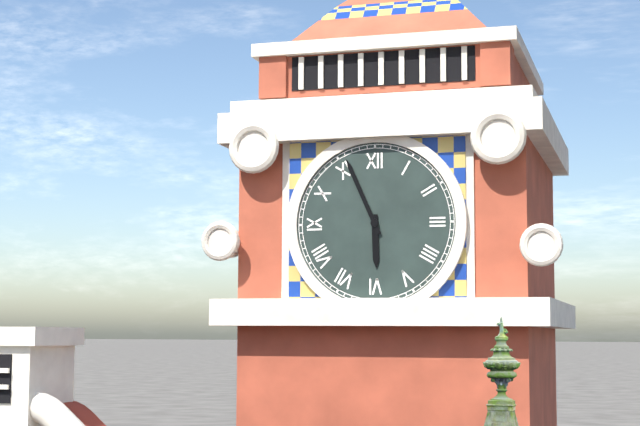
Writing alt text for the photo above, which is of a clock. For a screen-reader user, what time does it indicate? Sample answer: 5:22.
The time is 5:56
